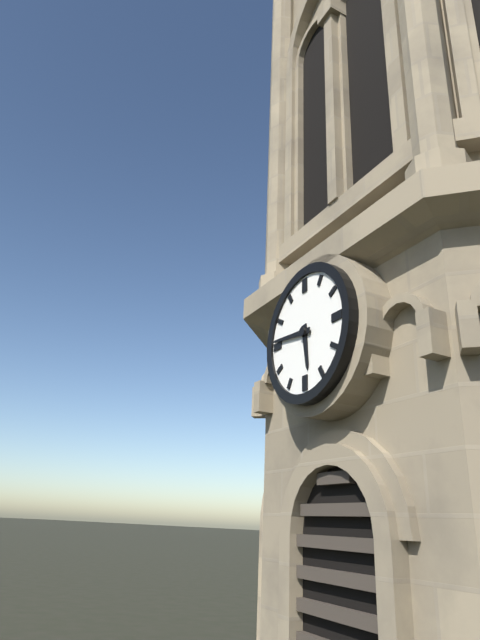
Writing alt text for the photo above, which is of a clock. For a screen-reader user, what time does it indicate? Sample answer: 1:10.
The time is 5:46
